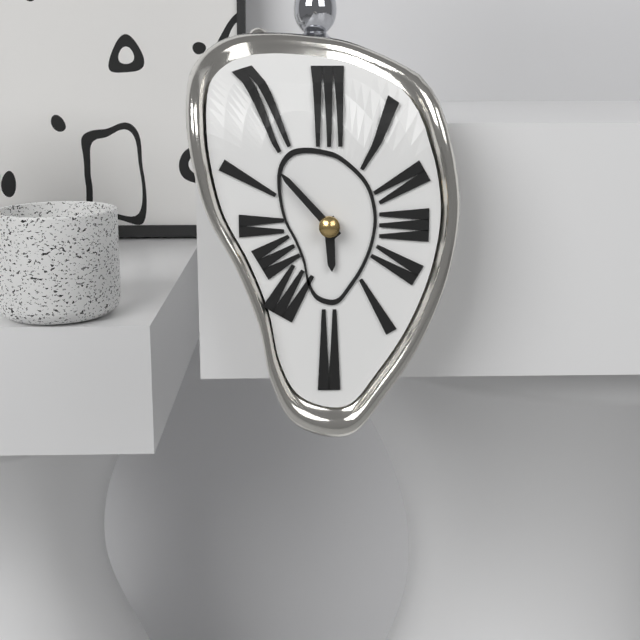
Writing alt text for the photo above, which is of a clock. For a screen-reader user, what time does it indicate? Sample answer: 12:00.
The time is 5:53
